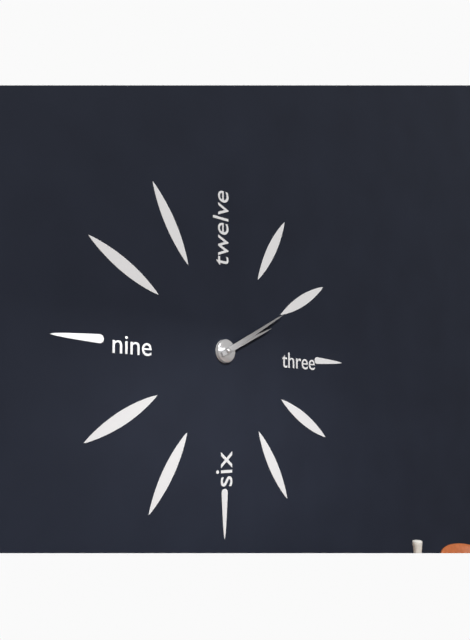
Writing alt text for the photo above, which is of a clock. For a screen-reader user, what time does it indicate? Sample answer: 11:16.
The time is 2:10
